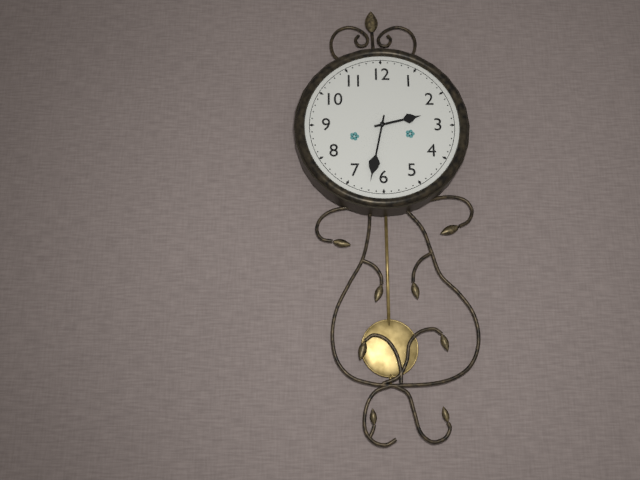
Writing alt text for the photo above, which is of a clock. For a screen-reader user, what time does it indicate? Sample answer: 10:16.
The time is 2:32
